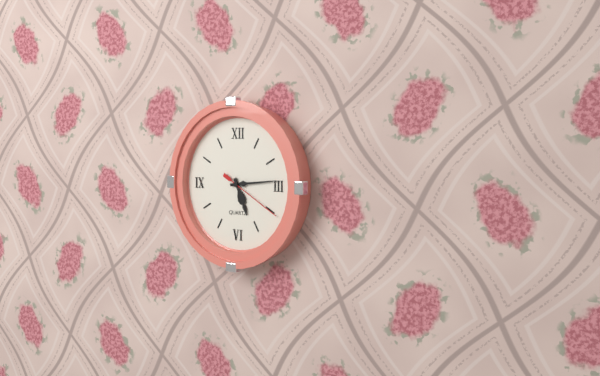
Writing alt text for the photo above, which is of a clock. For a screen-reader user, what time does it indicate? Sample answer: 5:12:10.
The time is 5:14:20
